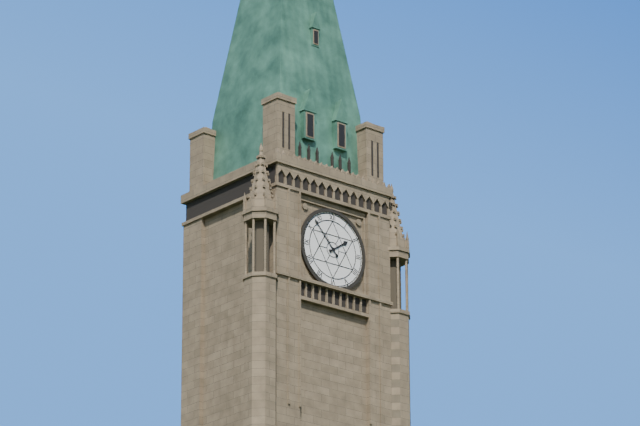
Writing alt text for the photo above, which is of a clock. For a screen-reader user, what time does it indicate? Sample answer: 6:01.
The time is 1:53
